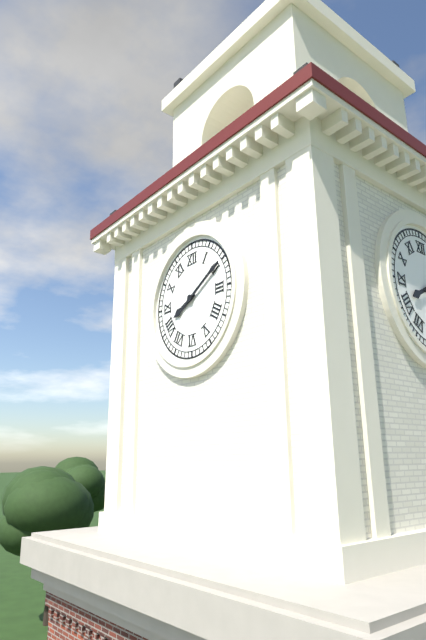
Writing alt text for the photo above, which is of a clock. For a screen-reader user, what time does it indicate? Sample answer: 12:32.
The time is 8:10
